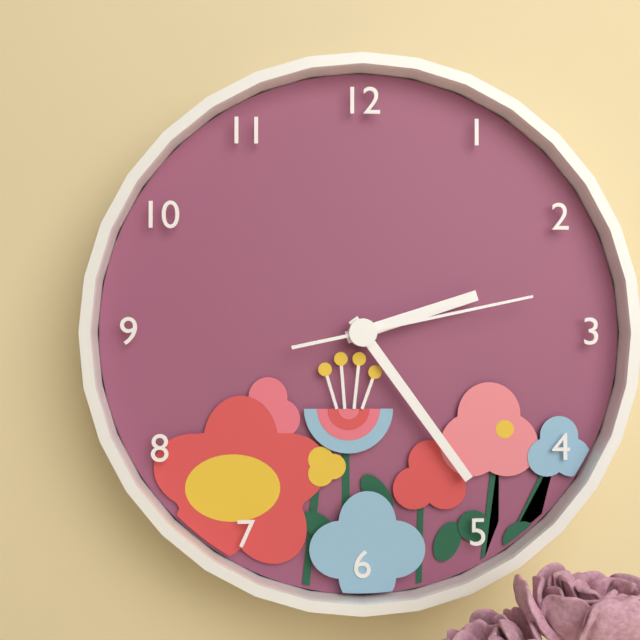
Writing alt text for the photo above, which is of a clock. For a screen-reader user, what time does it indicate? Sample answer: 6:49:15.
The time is 2:24:13
